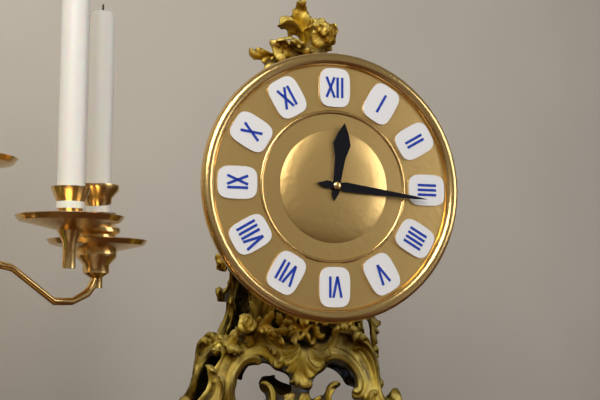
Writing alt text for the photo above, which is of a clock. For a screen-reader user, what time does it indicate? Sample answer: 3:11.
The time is 12:16
